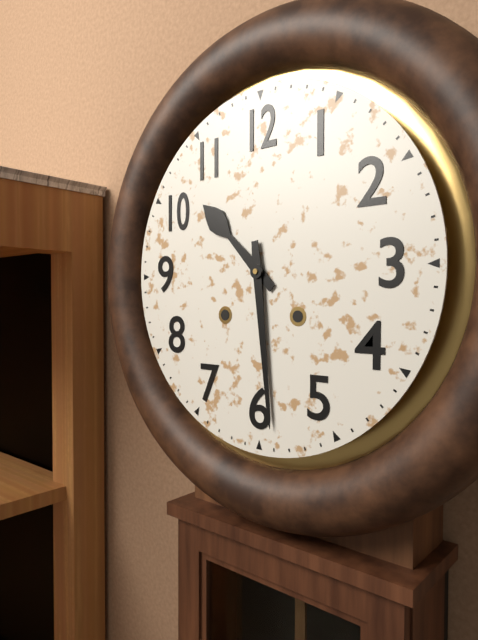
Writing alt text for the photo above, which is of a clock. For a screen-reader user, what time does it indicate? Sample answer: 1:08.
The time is 10:29
